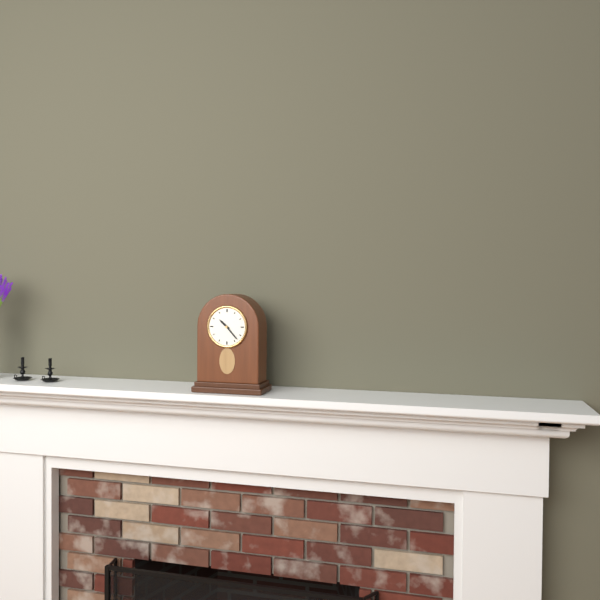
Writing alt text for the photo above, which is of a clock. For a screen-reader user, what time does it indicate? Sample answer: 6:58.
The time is 10:23
